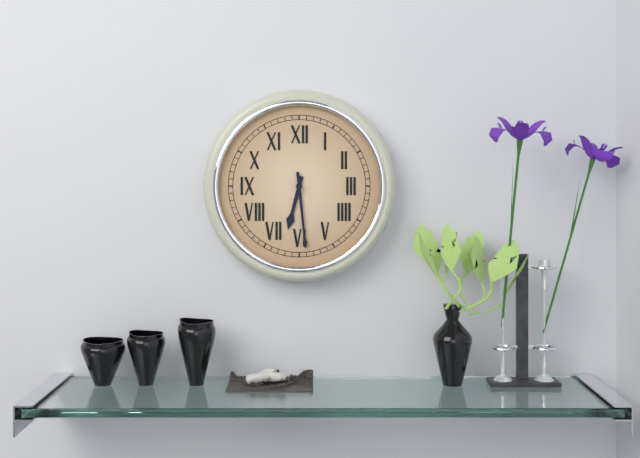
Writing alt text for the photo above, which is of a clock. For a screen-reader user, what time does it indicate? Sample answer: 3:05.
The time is 6:29
